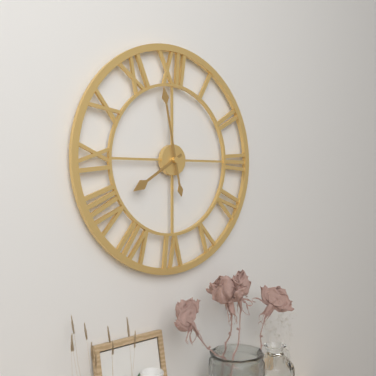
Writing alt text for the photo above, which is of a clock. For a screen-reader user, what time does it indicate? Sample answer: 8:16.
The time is 7:58
